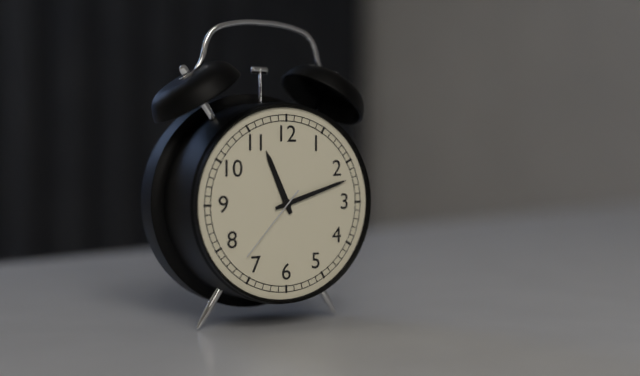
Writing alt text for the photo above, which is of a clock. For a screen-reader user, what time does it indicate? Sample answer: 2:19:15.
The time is 11:12:37
